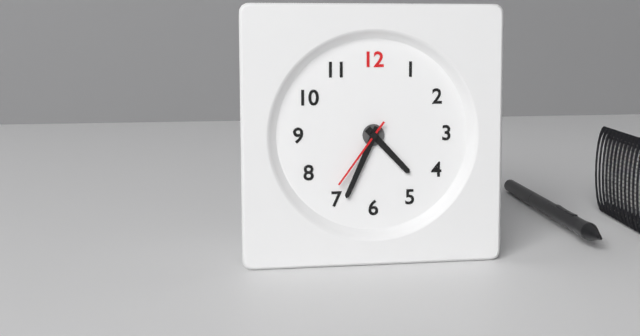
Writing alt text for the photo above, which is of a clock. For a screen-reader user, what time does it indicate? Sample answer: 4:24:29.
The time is 4:34:36
